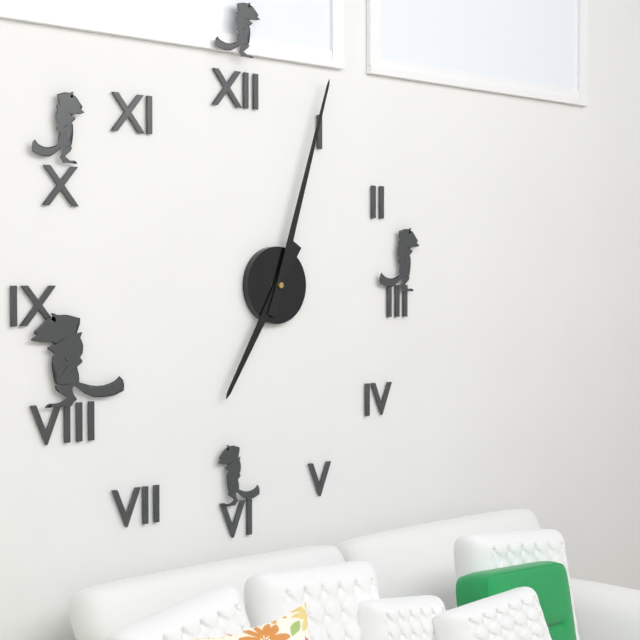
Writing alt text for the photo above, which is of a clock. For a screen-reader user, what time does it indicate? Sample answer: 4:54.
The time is 7:03
